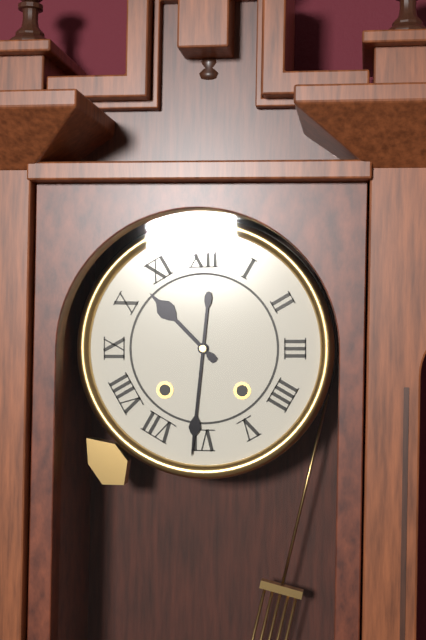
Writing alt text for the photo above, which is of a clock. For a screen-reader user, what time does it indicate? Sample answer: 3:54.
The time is 10:31
